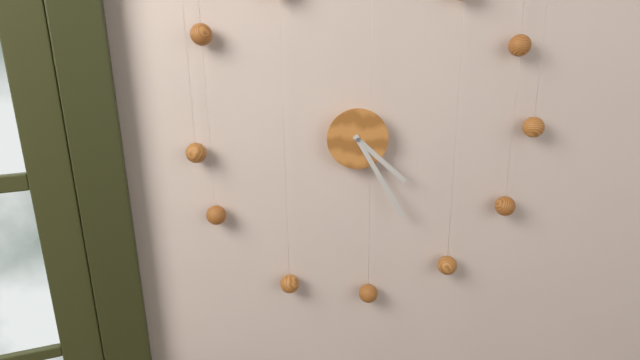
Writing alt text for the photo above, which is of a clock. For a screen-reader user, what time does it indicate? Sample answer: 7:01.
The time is 4:25
